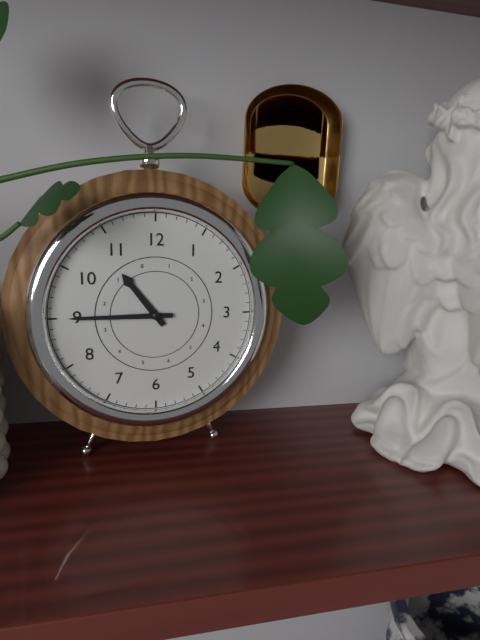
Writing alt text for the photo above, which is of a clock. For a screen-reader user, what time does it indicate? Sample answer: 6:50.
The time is 10:45
